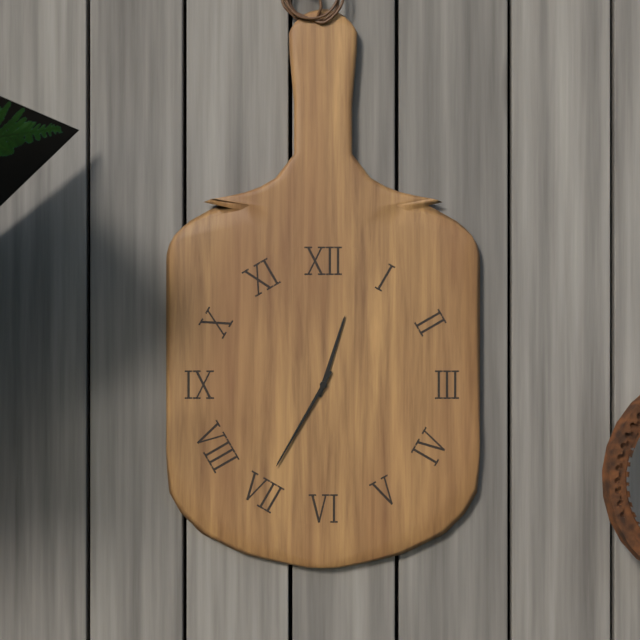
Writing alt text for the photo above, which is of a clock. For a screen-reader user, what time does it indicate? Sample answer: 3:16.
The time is 12:35
